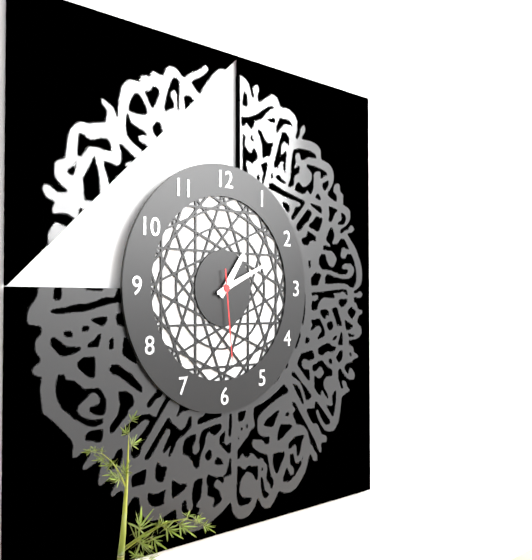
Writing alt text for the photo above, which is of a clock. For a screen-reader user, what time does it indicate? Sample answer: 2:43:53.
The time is 1:11:29
